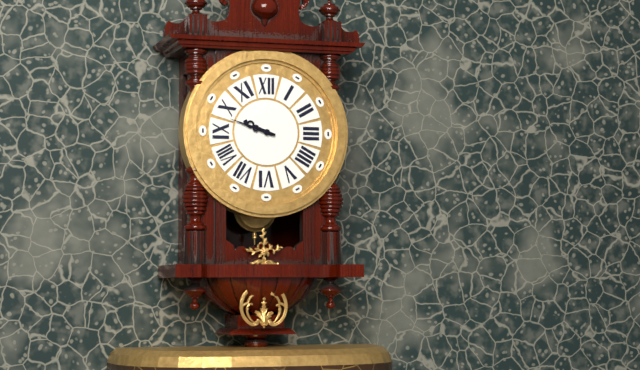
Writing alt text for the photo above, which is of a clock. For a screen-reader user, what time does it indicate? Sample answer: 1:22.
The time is 9:48
